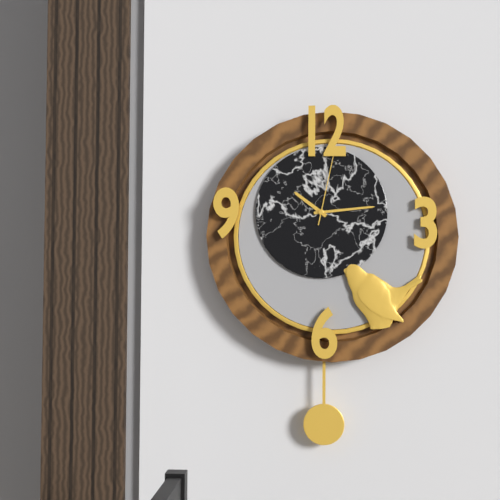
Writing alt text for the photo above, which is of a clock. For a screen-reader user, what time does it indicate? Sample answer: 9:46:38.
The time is 10:14:02
